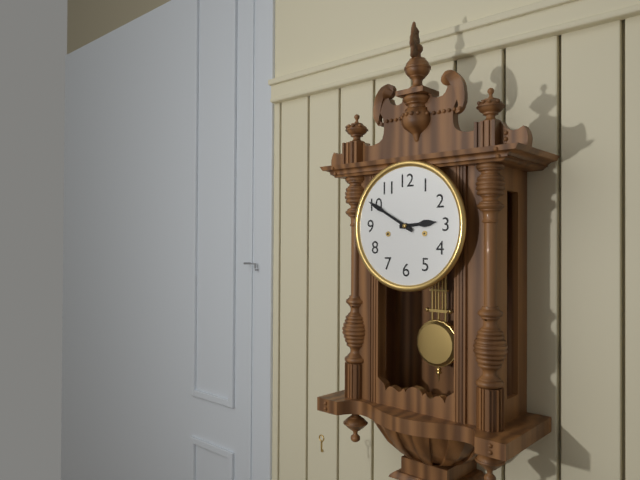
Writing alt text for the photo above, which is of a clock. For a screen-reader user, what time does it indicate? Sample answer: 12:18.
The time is 2:50
